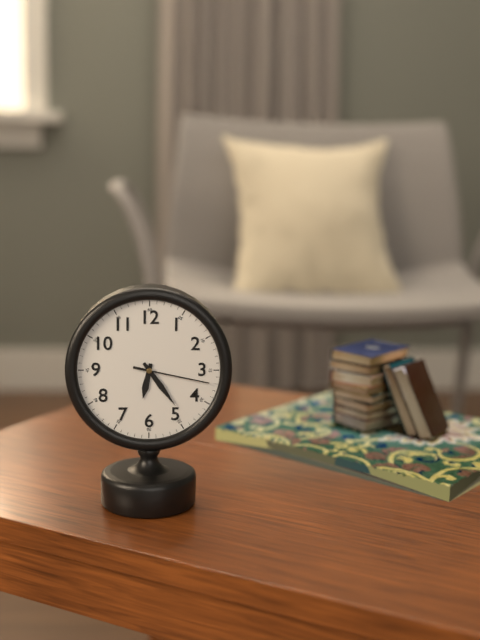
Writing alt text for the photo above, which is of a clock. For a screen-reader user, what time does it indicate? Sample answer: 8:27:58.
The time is 6:24:17
